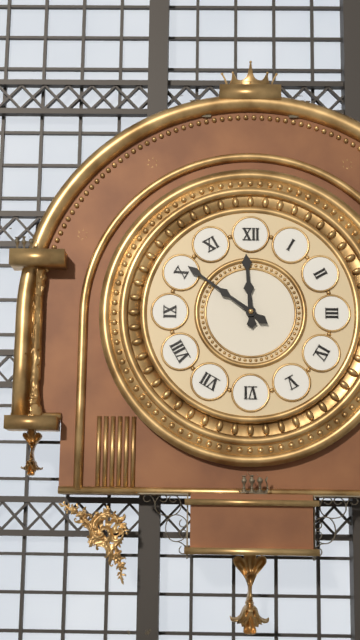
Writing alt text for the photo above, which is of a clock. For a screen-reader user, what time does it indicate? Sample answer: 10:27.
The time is 11:51
